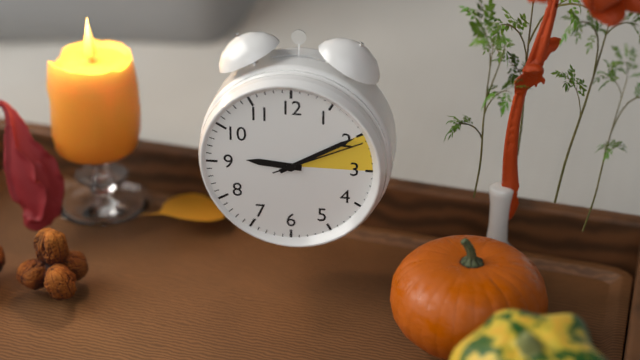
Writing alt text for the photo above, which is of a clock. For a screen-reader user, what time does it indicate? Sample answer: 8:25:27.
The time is 9:10:11
